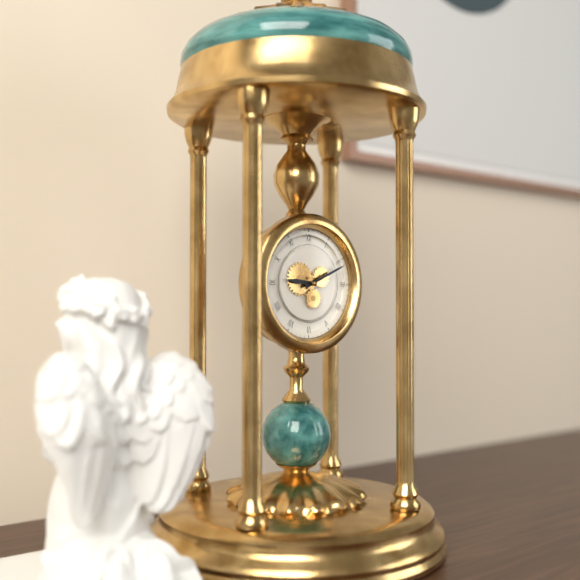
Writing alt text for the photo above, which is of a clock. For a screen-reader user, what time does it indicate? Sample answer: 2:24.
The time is 9:11
